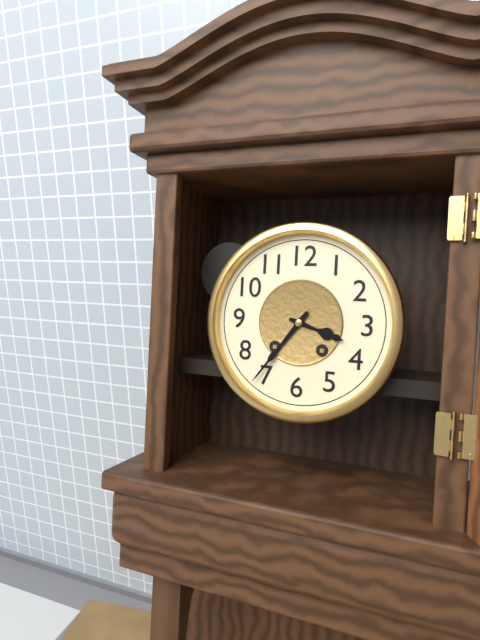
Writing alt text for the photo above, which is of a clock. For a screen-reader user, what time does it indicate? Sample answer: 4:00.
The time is 3:36
